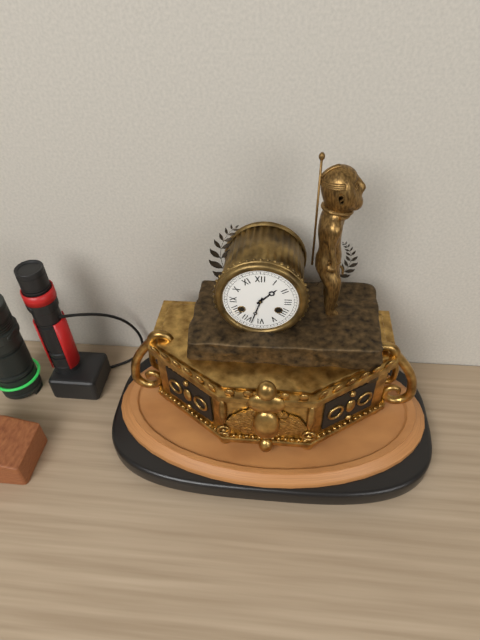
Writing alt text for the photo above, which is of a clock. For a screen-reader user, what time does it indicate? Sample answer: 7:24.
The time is 1:33
